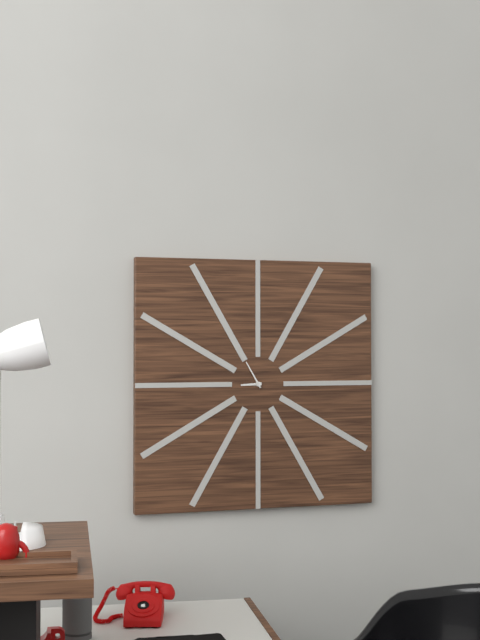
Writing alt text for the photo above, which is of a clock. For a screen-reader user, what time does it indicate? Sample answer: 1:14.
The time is 8:55
